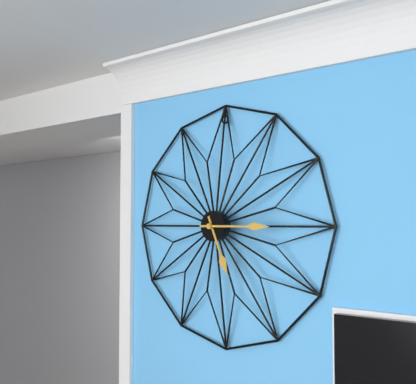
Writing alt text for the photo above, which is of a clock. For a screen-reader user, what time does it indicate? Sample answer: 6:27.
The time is 5:15
